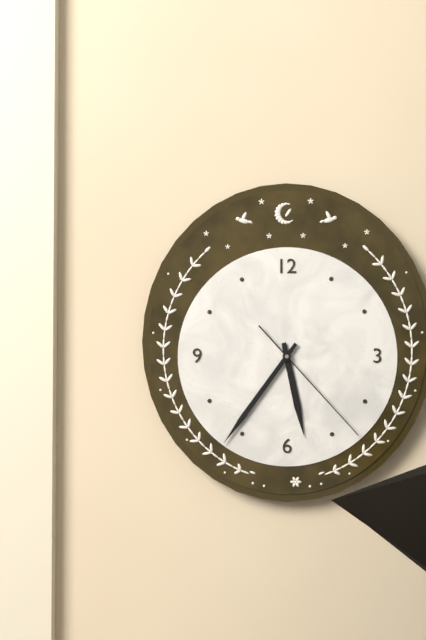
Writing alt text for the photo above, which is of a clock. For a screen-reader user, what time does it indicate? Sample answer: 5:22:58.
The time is 5:36:23
